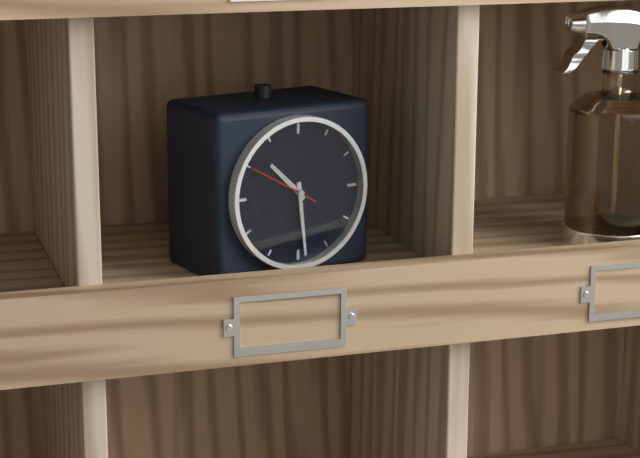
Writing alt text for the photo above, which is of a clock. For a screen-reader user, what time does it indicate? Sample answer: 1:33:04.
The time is 10:29:50
